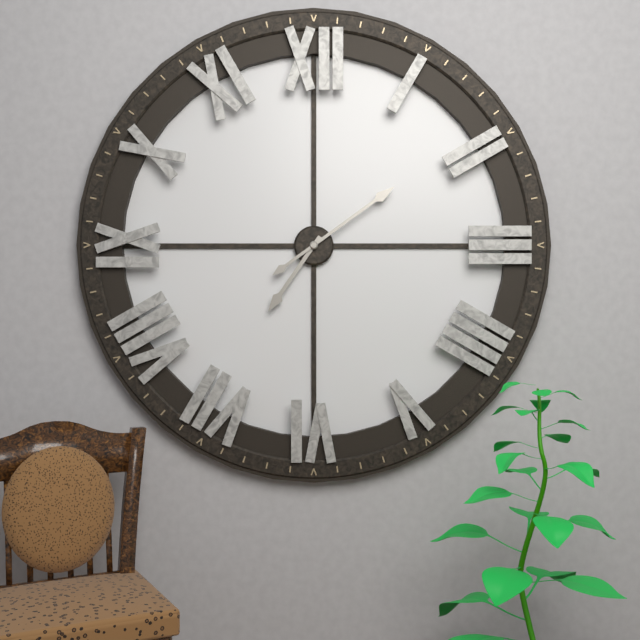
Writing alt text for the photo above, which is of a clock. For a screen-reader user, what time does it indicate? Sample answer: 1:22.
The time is 7:09
